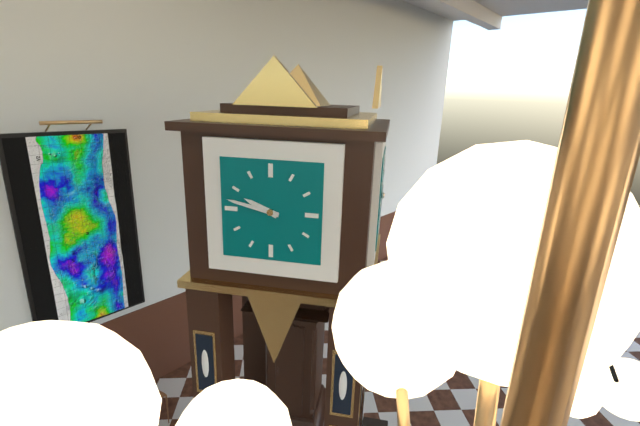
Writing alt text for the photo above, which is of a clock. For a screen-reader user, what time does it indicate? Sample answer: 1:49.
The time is 9:47
